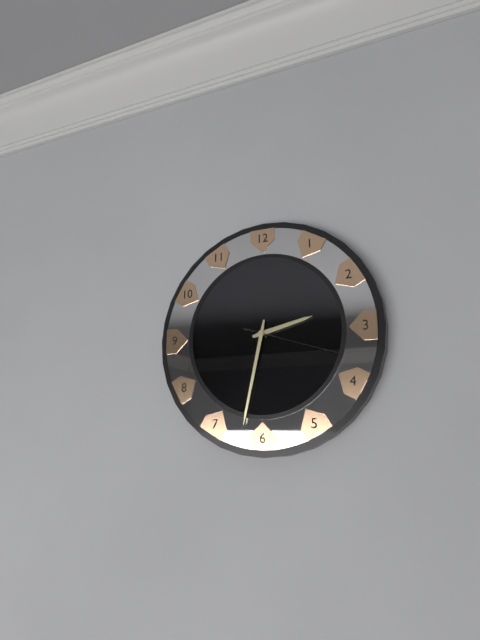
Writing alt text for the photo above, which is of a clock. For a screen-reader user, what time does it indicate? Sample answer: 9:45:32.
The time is 2:32:18
